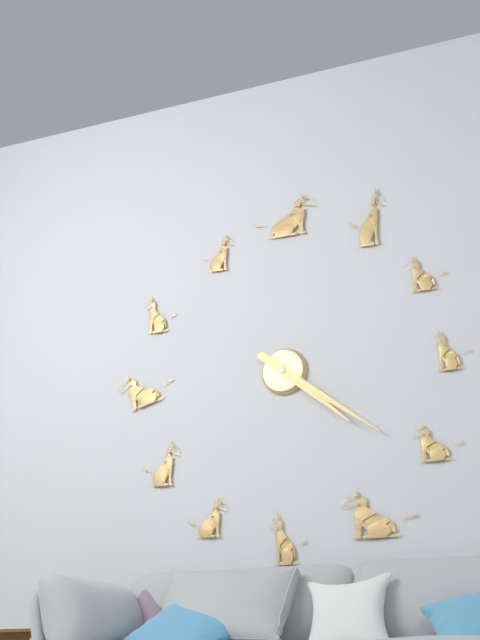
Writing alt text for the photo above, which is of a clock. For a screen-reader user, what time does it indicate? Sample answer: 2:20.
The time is 4:21
